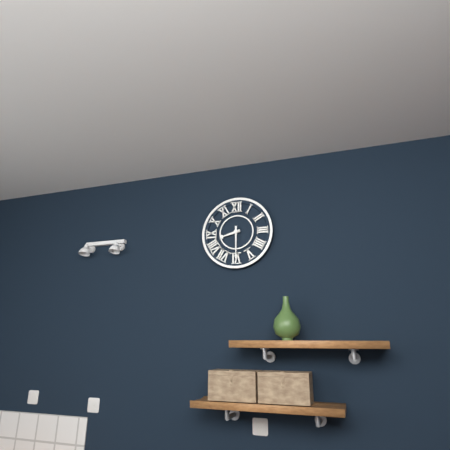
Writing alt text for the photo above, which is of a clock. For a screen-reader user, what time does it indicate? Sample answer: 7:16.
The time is 8:30
